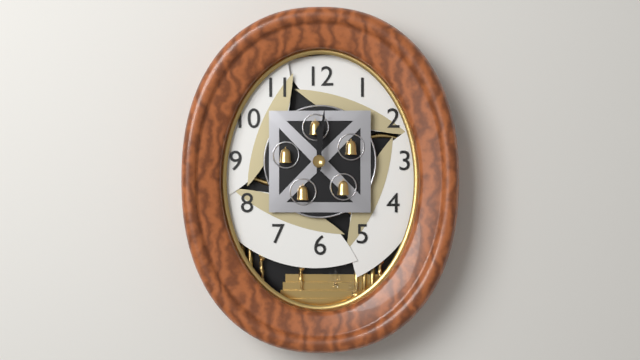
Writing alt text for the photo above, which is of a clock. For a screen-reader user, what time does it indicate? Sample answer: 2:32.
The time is 12:01
